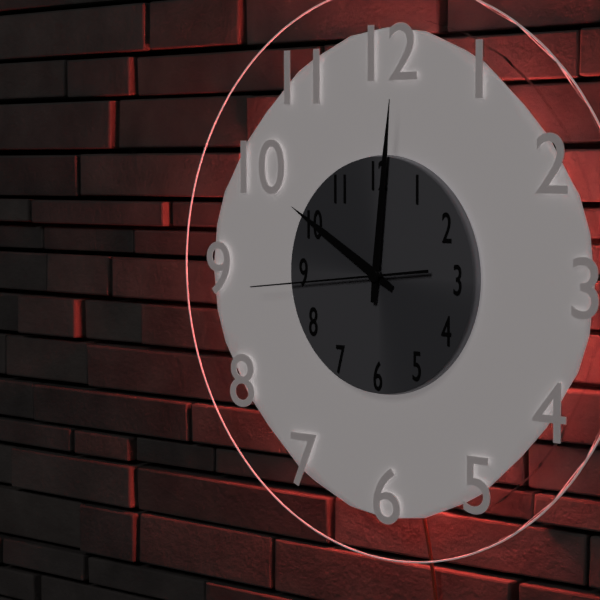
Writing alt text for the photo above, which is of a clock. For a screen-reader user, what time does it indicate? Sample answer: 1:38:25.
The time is 10:01:44
